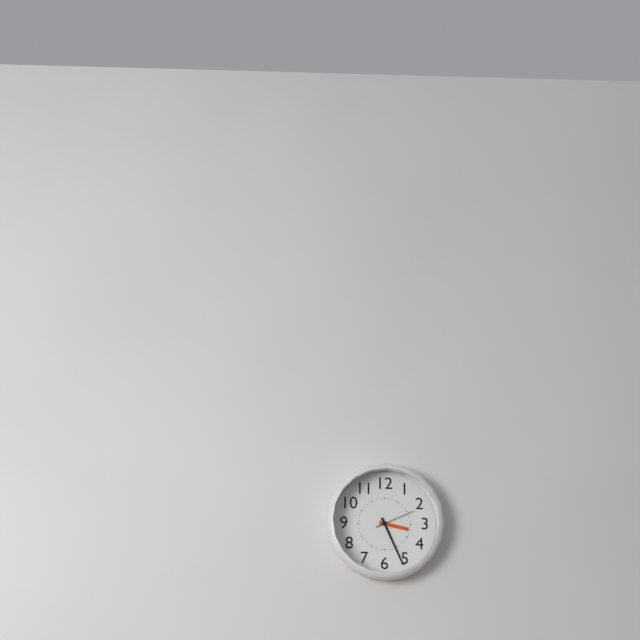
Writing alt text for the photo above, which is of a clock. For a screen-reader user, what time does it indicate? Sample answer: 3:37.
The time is 3:26
